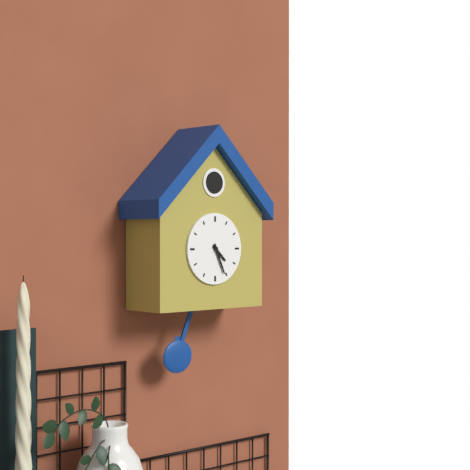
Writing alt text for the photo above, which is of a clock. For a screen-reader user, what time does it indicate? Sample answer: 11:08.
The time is 4:26
